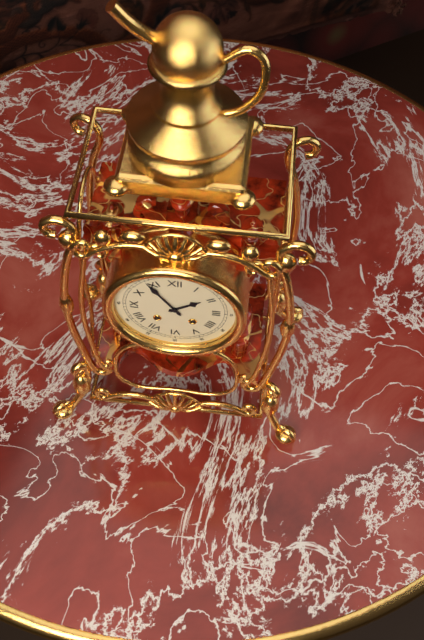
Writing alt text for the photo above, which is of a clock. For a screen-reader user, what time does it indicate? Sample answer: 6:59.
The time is 1:54
